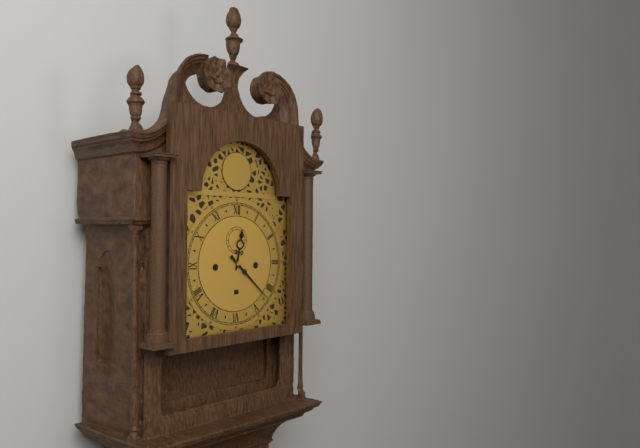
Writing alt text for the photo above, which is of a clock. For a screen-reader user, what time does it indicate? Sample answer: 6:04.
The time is 12:22
